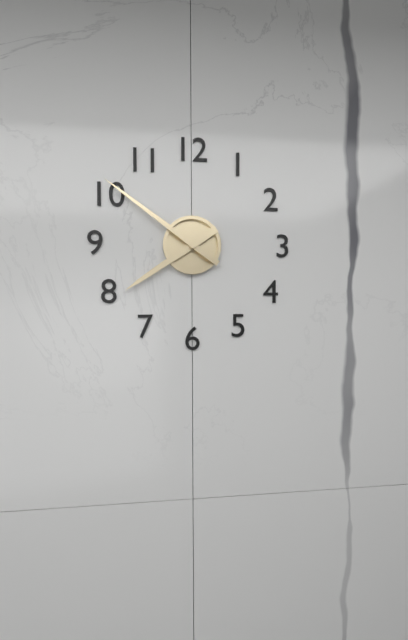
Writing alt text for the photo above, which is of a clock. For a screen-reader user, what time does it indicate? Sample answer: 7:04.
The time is 7:51
